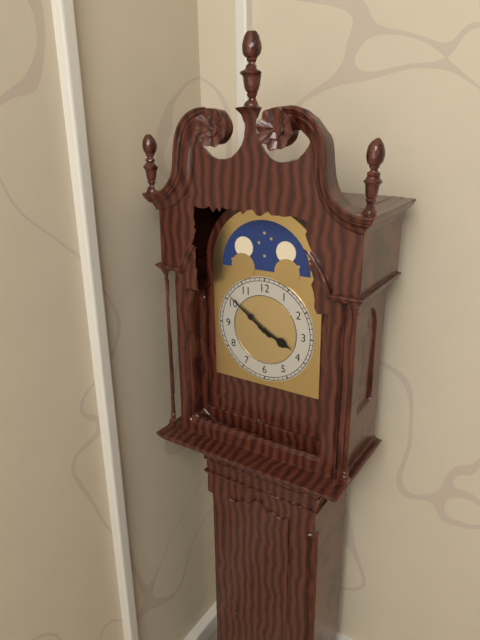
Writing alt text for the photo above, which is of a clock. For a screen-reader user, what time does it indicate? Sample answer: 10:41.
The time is 3:51
